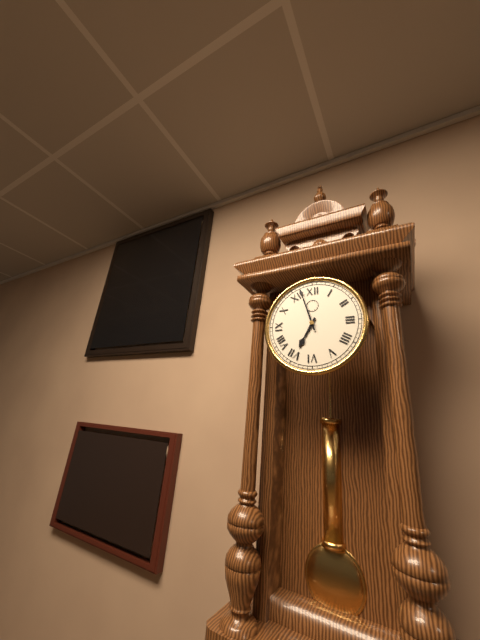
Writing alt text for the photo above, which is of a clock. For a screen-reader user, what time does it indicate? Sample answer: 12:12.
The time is 6:57
